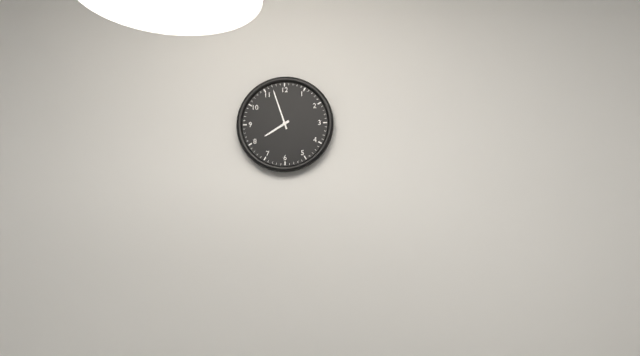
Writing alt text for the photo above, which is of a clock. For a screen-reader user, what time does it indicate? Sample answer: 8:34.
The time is 7:57
